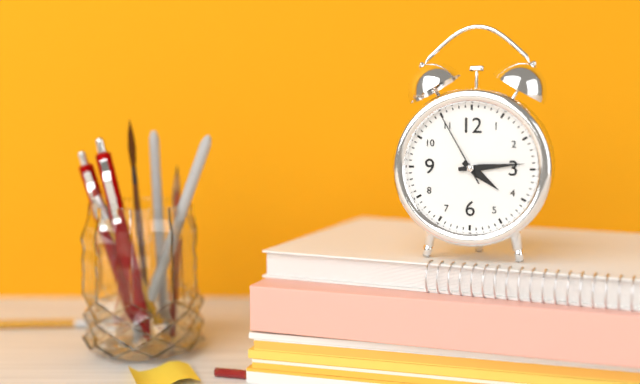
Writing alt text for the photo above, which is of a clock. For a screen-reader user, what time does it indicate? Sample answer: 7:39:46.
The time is 4:14:55
